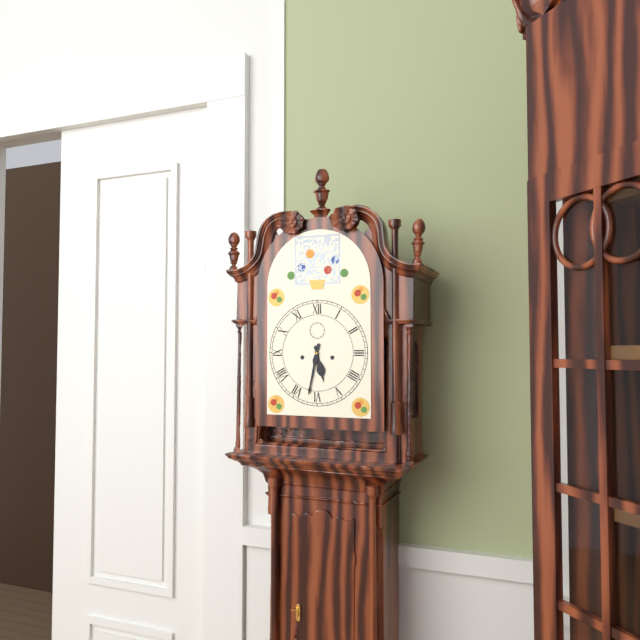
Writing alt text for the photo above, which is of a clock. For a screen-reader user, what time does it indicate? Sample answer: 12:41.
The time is 5:32
